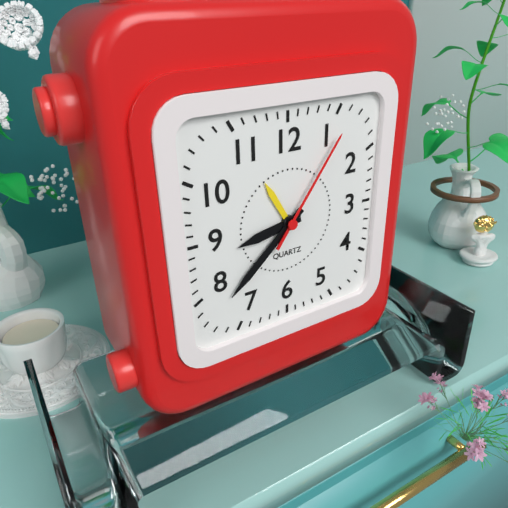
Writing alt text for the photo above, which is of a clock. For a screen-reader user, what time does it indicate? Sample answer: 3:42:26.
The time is 8:38:06
